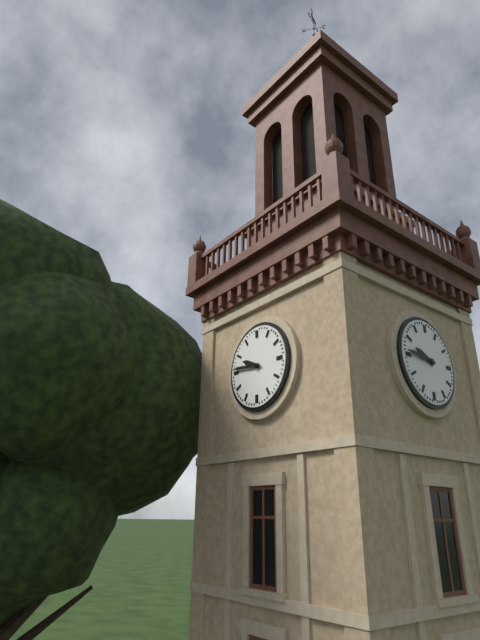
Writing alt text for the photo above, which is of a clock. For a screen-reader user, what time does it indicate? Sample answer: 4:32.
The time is 9:46
